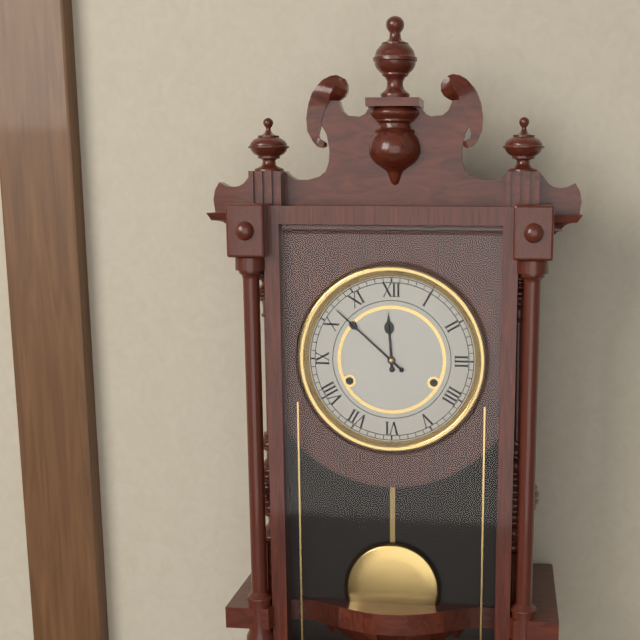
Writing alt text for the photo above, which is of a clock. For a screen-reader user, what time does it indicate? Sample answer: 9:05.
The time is 11:52
